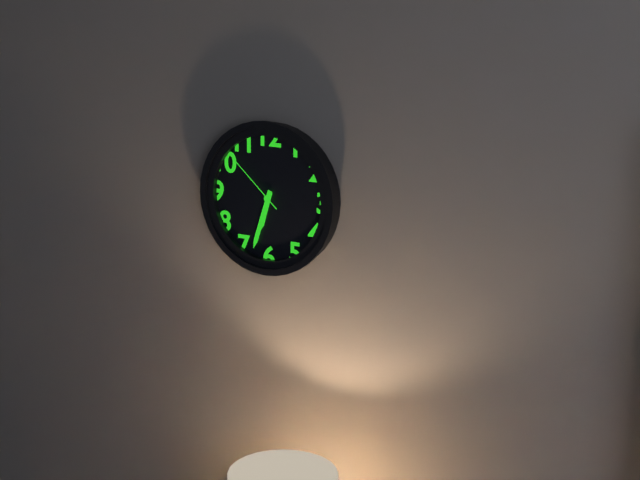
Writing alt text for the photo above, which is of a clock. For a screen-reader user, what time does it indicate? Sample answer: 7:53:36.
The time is 6:33:52
